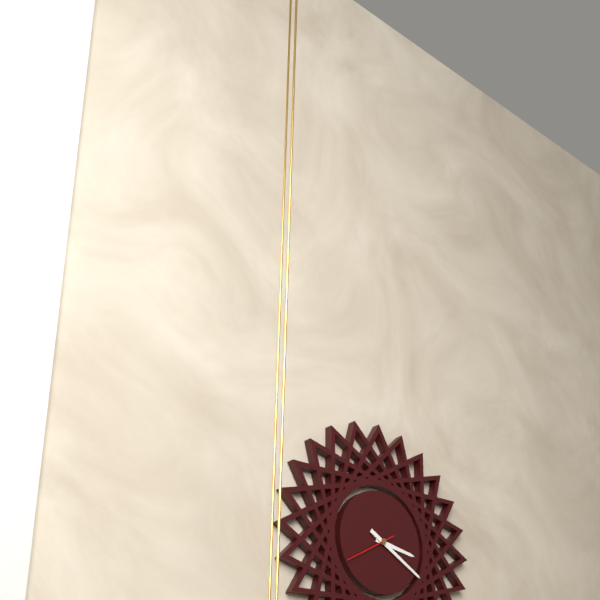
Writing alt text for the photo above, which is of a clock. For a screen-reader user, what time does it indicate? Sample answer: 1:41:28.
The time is 3:20:40
